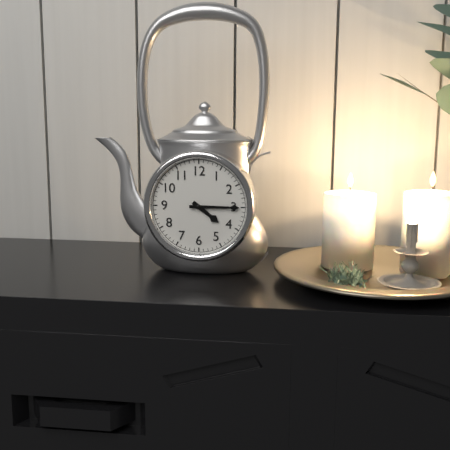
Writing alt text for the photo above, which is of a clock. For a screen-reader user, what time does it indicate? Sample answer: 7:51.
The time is 4:15
